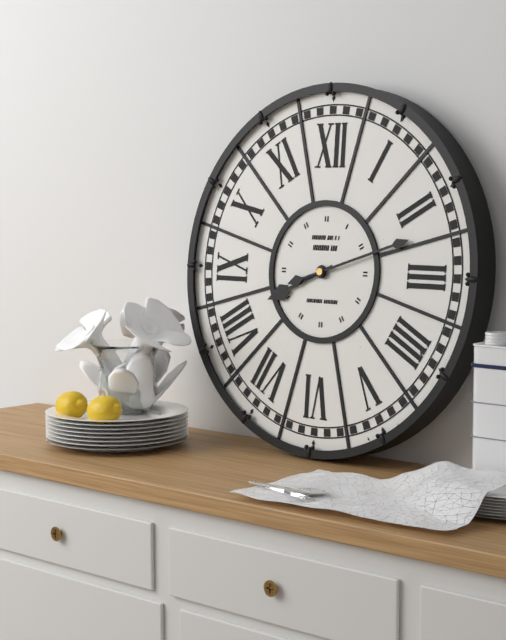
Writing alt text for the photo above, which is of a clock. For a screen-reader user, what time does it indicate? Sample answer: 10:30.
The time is 8:12
